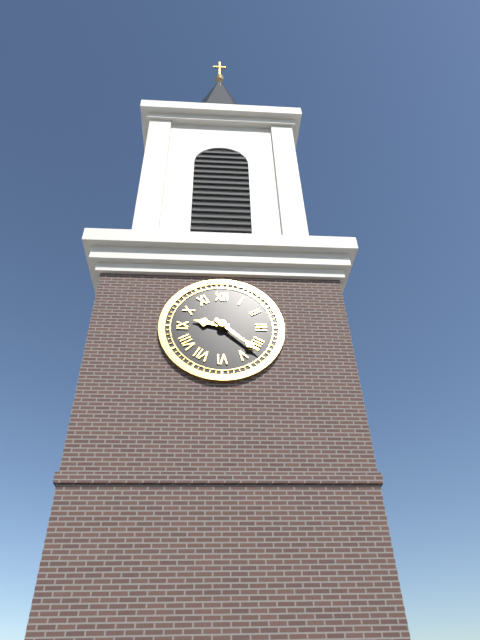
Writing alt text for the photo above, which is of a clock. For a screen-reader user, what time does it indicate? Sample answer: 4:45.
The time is 9:22
